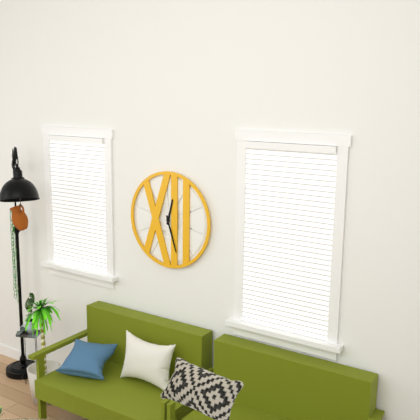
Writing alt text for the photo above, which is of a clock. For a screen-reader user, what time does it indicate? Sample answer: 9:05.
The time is 12:27
